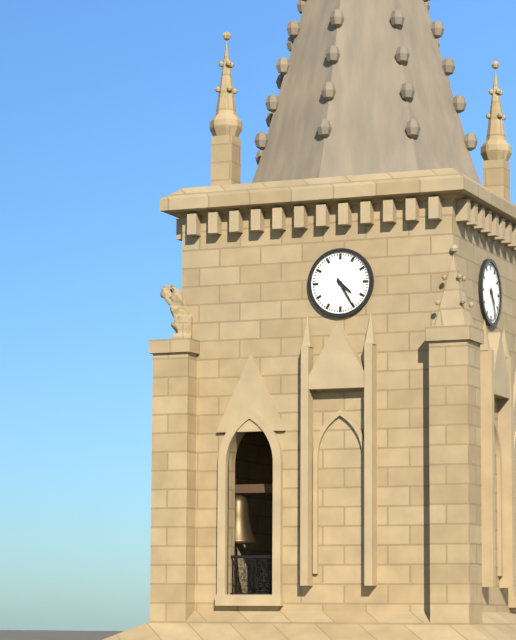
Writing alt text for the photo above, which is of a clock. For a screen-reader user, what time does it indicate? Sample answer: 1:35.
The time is 4:25
